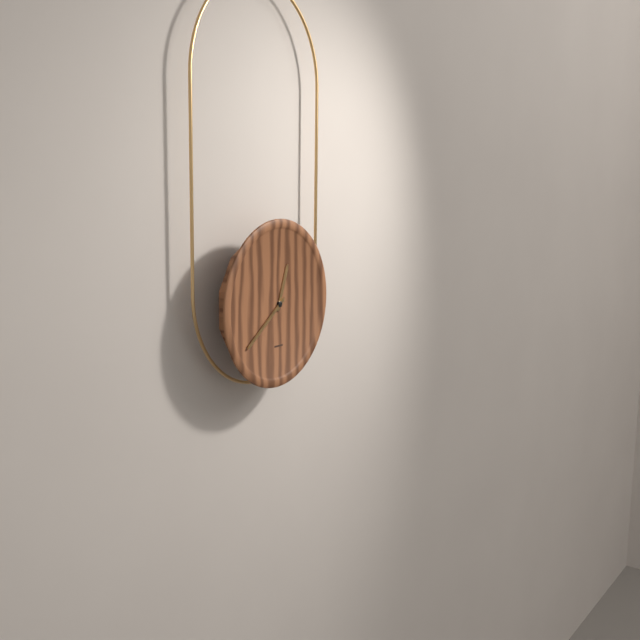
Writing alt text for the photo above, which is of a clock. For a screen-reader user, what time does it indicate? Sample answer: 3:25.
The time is 12:39
